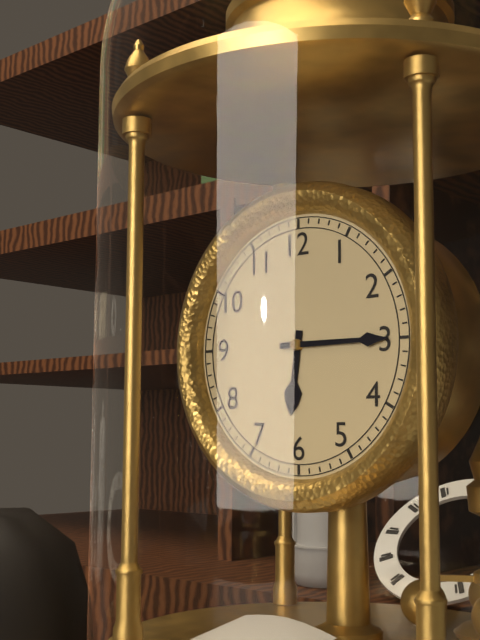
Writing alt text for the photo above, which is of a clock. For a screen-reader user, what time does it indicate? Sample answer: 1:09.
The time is 6:15
